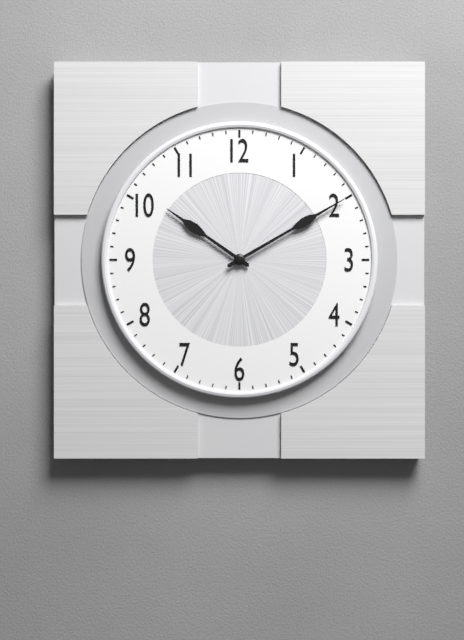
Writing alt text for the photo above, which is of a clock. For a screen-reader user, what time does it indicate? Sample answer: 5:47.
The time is 10:10
